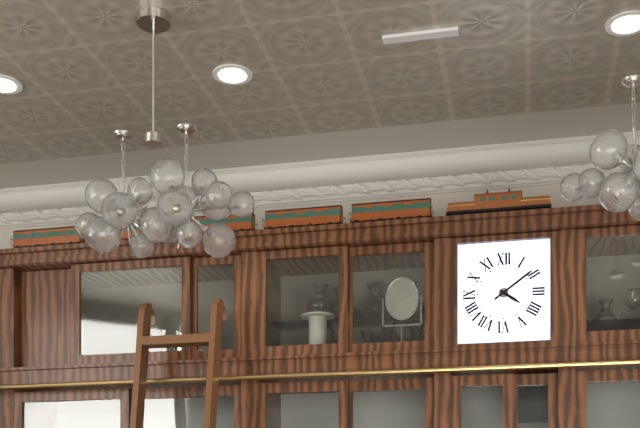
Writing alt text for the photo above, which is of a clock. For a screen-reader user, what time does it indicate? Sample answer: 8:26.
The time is 4:09
